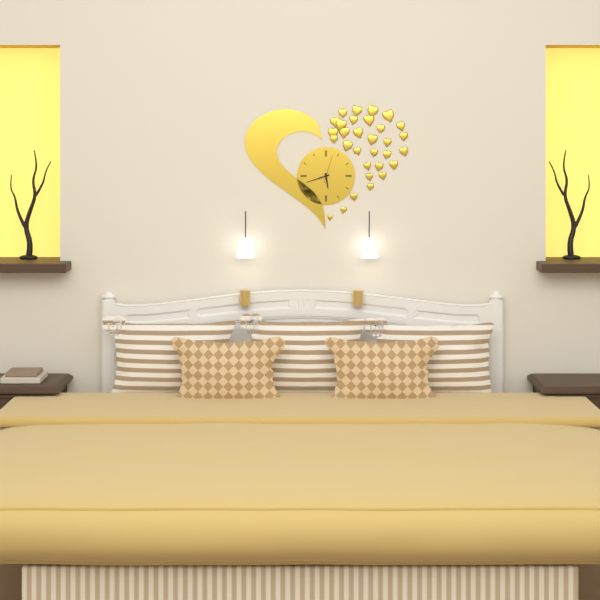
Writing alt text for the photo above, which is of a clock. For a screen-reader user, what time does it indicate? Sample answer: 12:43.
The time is 5:42
